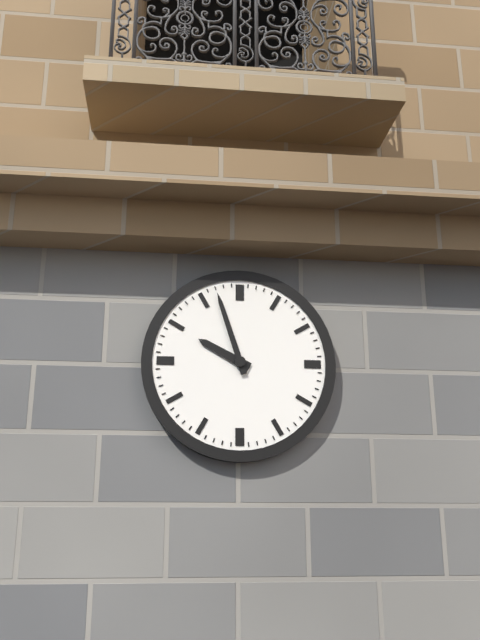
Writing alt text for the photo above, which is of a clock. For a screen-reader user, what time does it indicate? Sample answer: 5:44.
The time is 9:57
